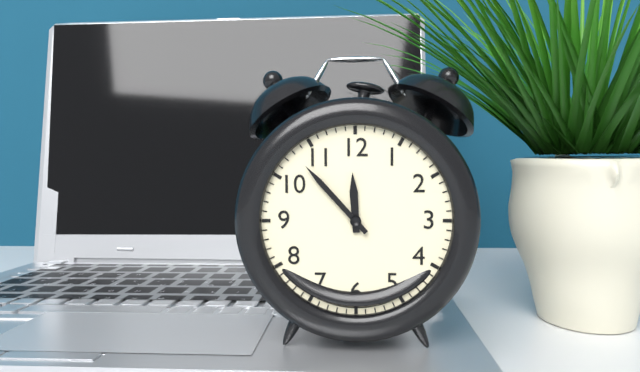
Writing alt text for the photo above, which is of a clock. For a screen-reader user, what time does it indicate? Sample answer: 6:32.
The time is 11:53
